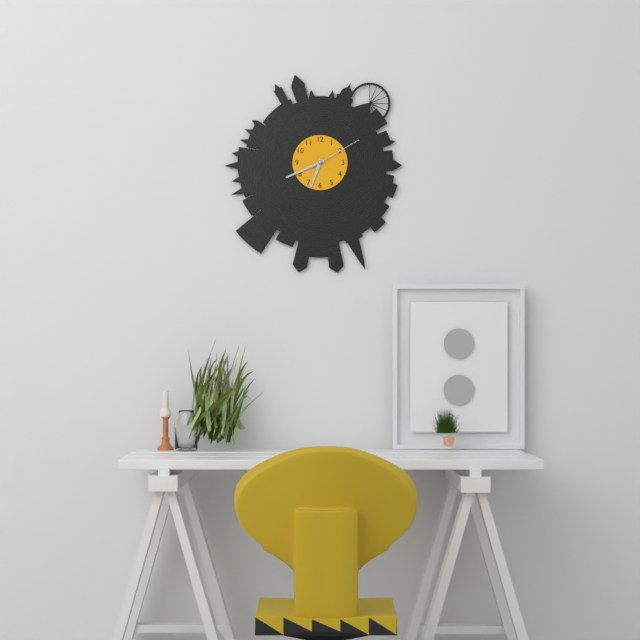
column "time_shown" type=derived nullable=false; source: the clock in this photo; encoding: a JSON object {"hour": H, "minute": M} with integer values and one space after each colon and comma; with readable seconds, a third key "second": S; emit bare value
{"hour": 6, "minute": 41, "second": 10}
